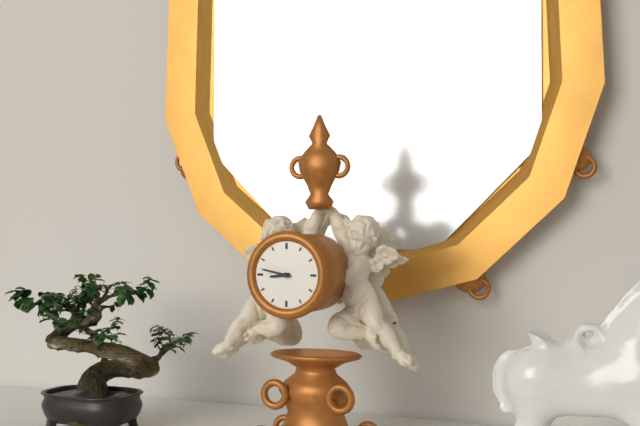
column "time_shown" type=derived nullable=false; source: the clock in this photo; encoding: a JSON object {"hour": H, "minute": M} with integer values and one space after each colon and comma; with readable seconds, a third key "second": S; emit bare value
{"hour": 8, "minute": 47}
